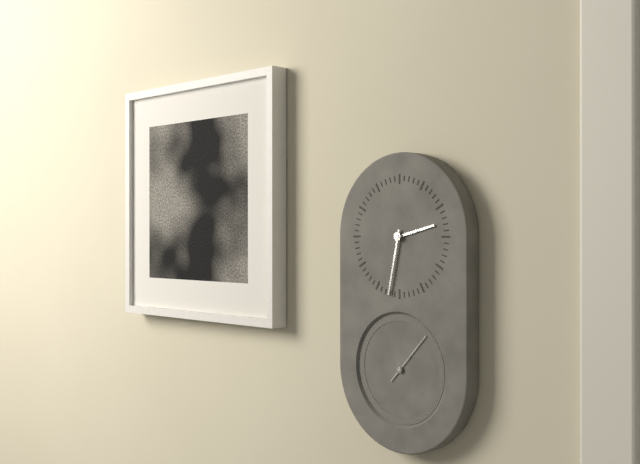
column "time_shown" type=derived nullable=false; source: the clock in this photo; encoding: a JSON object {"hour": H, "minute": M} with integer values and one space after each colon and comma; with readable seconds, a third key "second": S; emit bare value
{"hour": 2, "minute": 32, "second": 7}
